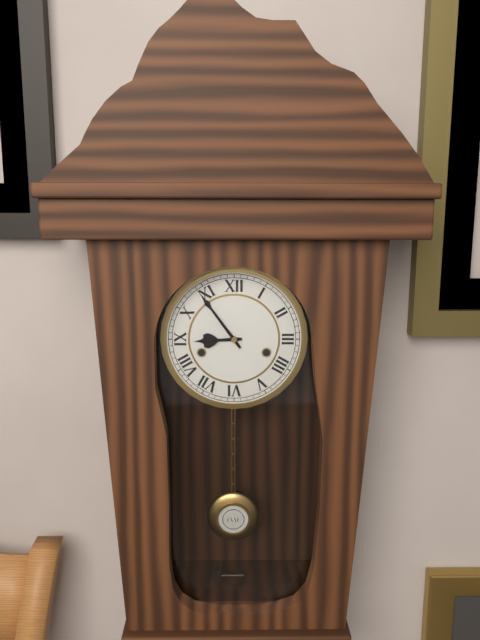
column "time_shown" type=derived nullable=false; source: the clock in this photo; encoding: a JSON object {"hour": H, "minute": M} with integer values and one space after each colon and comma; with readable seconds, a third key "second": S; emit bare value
{"hour": 8, "minute": 54}
